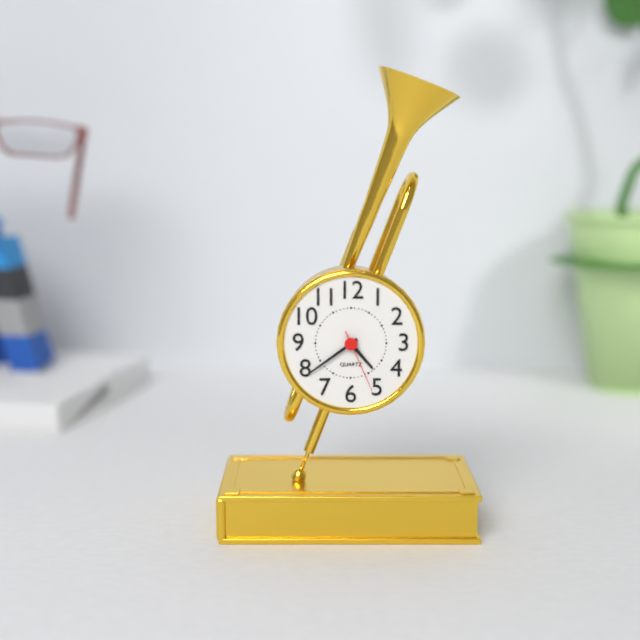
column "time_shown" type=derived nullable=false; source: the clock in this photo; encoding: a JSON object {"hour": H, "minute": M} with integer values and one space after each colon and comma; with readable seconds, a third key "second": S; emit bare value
{"hour": 4, "minute": 39, "second": 26}
